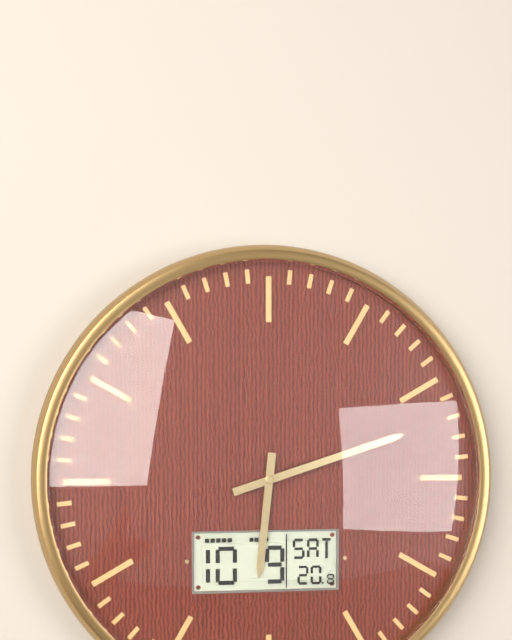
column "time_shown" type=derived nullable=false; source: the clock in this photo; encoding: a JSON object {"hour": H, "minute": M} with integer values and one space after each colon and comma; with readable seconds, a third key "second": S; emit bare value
{"hour": 6, "minute": 12}
